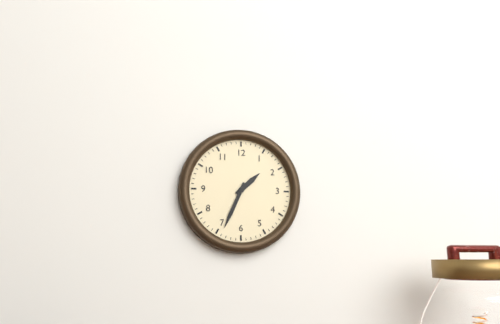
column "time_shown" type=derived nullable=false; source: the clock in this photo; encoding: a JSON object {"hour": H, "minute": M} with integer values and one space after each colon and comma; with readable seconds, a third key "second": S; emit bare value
{"hour": 1, "minute": 34}
